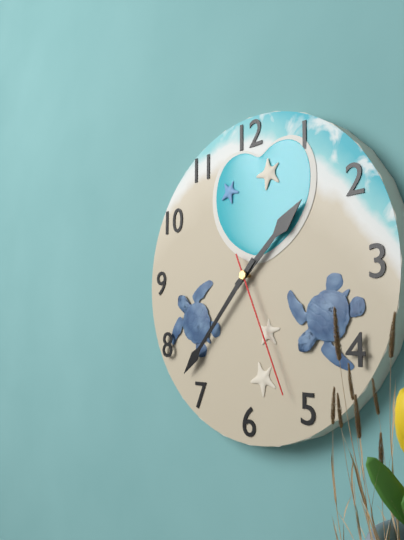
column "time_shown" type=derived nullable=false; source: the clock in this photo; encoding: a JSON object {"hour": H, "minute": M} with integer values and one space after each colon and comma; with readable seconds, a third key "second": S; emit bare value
{"hour": 1, "minute": 37, "second": 26}
